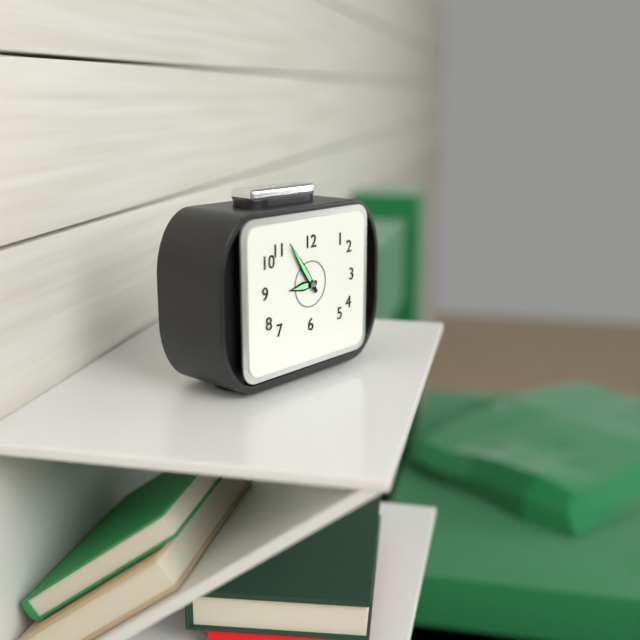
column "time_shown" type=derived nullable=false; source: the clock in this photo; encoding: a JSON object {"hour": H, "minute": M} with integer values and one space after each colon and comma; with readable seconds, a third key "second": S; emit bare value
{"hour": 8, "minute": 54}
